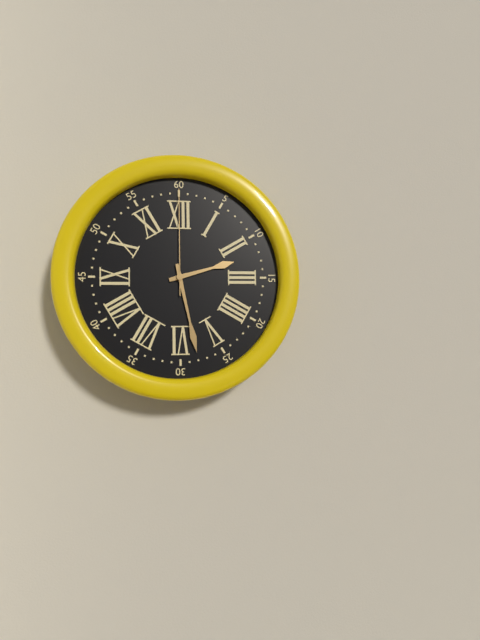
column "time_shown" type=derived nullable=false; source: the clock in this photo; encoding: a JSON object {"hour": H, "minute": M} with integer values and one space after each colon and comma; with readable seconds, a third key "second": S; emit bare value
{"hour": 2, "minute": 28, "second": 0}
